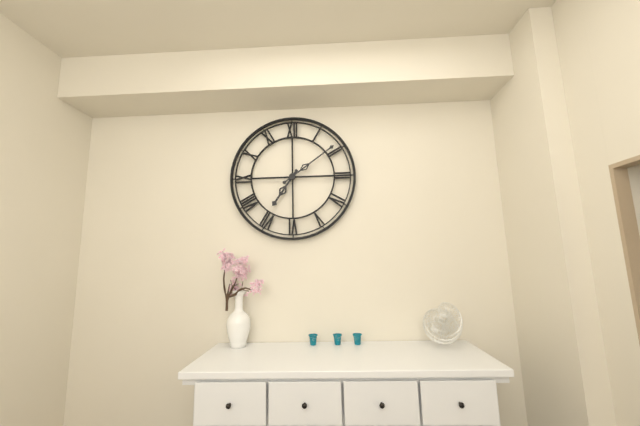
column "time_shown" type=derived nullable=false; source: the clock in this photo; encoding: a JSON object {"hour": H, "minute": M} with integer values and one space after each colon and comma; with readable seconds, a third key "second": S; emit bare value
{"hour": 7, "minute": 9}
